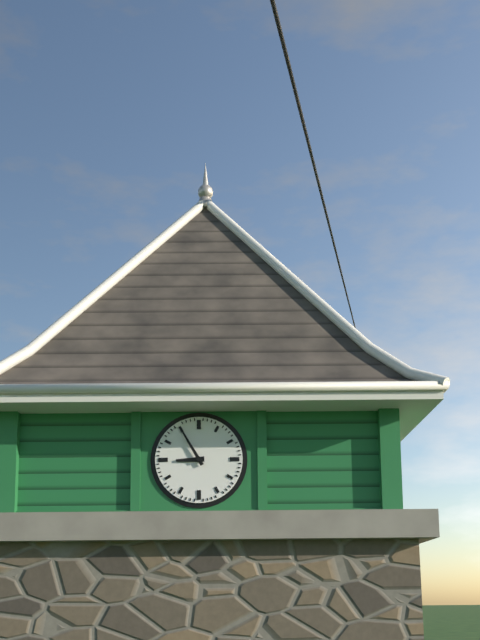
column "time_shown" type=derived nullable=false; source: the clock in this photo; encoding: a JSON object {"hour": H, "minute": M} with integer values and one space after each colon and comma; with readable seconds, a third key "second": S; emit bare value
{"hour": 8, "minute": 55}
